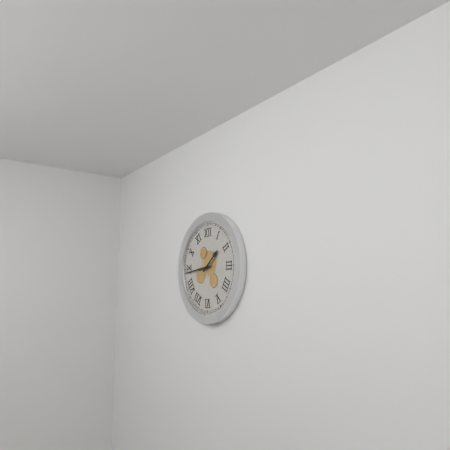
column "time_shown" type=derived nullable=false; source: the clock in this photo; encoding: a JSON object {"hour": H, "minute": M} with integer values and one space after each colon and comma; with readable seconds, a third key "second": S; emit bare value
{"hour": 1, "minute": 44}
